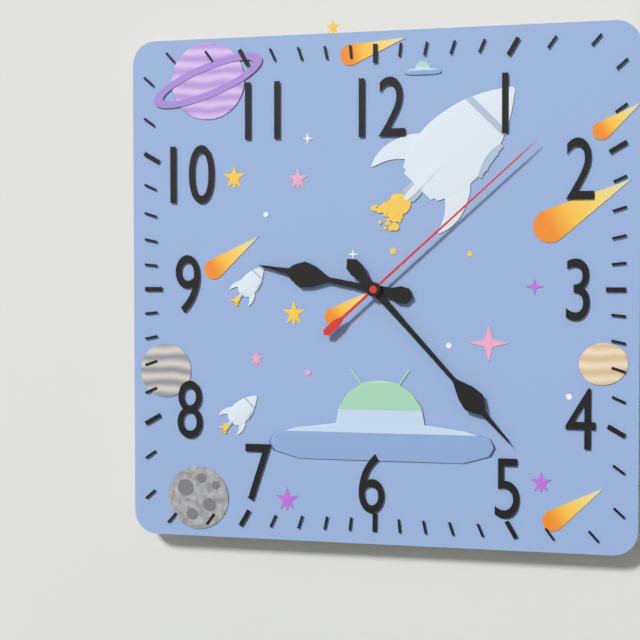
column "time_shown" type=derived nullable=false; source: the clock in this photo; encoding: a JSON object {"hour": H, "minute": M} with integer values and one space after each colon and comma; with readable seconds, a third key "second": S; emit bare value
{"hour": 9, "minute": 23, "second": 8}
